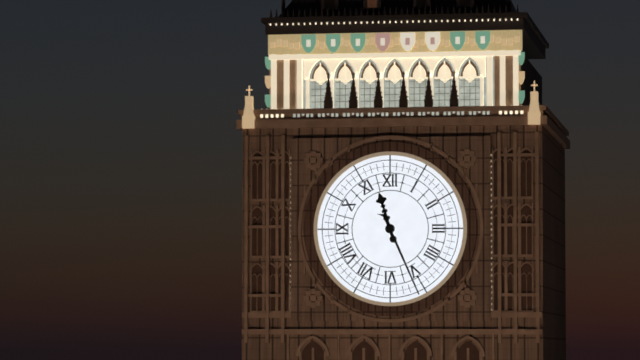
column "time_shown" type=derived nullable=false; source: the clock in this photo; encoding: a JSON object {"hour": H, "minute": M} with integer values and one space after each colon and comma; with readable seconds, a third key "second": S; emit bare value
{"hour": 11, "minute": 26}
